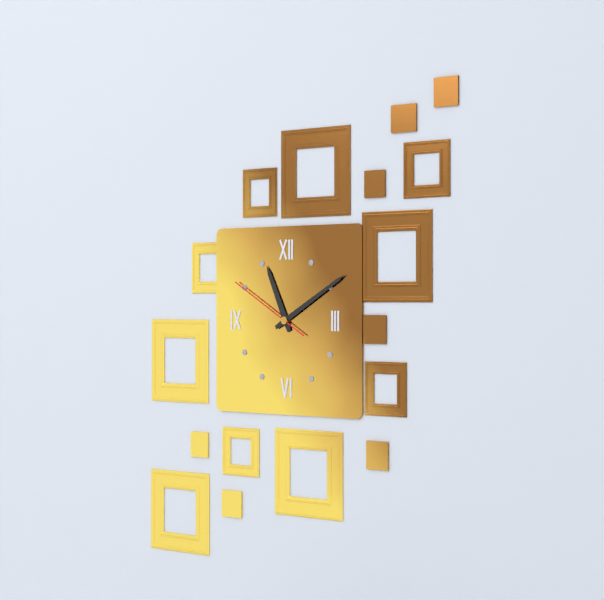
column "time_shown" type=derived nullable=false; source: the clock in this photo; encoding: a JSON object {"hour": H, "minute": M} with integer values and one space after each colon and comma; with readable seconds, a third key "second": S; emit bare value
{"hour": 11, "minute": 10, "second": 50}
